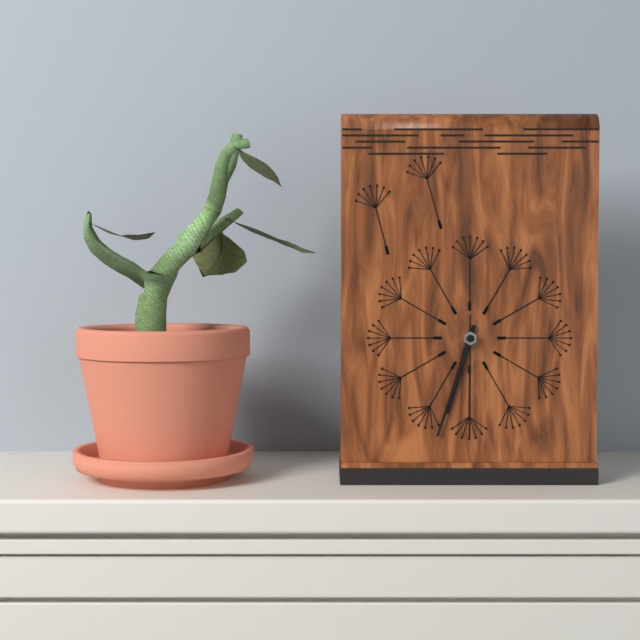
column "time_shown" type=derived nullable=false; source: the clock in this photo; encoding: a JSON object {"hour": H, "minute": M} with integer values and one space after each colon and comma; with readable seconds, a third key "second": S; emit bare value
{"hour": 6, "minute": 33, "second": 30}
